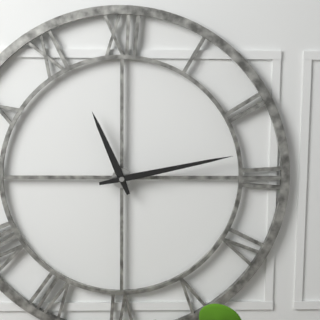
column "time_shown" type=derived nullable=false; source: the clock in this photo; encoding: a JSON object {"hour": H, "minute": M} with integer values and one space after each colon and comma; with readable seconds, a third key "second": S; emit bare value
{"hour": 11, "minute": 13}
